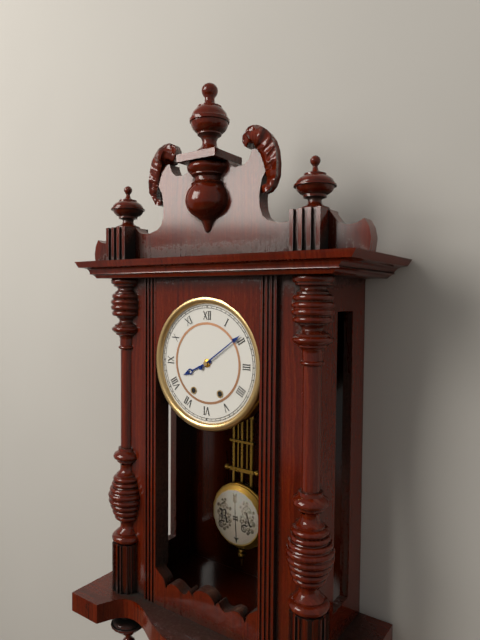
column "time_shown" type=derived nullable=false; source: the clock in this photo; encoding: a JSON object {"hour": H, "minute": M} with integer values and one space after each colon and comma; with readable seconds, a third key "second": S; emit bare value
{"hour": 8, "minute": 9}
